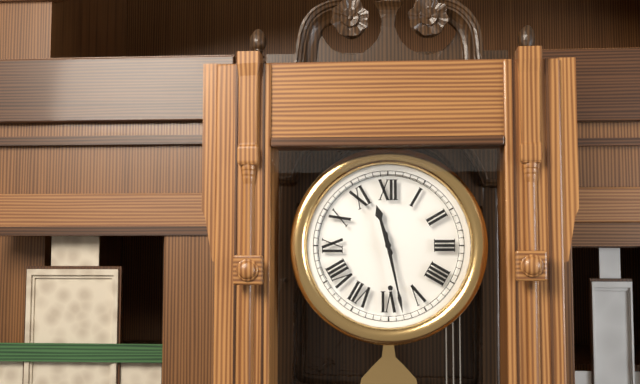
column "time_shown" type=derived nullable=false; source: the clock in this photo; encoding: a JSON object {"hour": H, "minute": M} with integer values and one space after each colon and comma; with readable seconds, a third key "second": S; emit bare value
{"hour": 11, "minute": 28}
